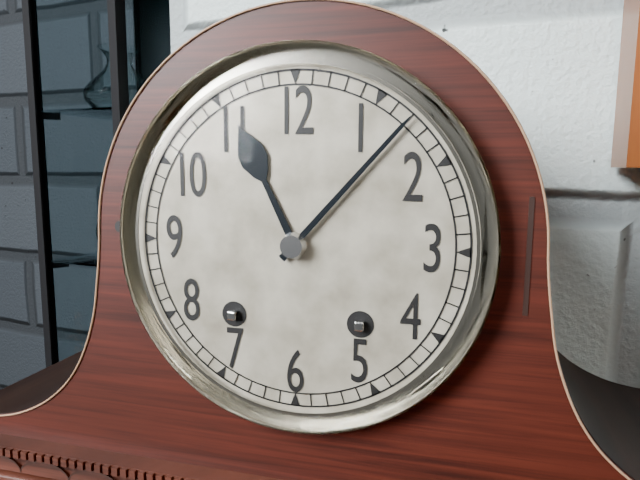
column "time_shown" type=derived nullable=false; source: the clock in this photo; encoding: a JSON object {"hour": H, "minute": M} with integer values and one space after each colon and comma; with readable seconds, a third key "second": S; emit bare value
{"hour": 11, "minute": 7}
